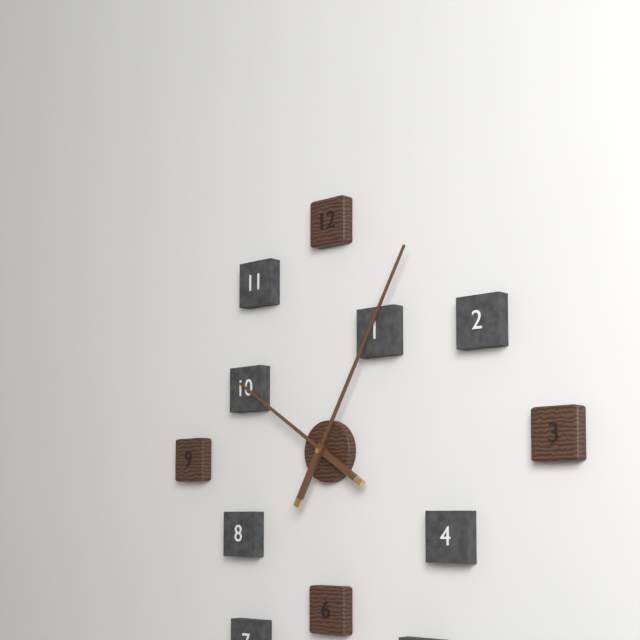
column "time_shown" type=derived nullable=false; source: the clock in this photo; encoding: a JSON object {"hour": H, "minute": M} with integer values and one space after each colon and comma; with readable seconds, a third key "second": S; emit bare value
{"hour": 10, "minute": 5}
